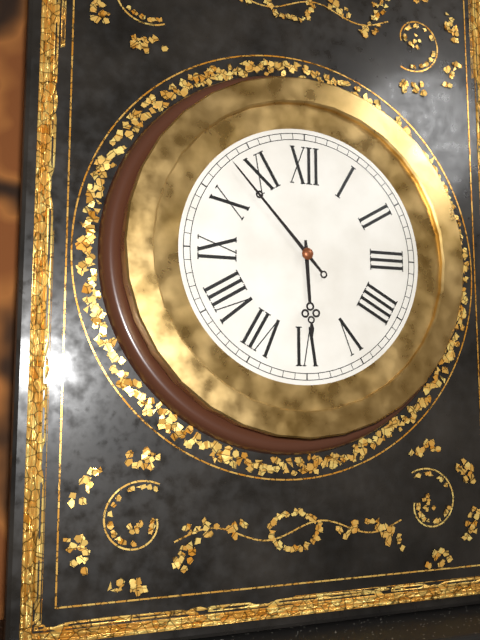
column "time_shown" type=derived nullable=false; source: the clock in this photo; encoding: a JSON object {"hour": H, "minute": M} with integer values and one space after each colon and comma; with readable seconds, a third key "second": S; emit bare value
{"hour": 5, "minute": 53}
